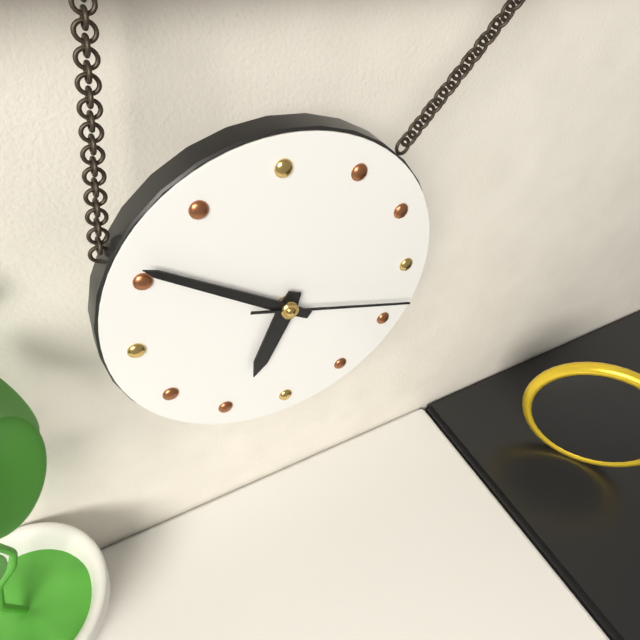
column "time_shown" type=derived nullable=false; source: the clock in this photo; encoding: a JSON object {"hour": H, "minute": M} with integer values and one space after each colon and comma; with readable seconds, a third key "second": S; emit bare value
{"hour": 6, "minute": 51, "second": 18}
